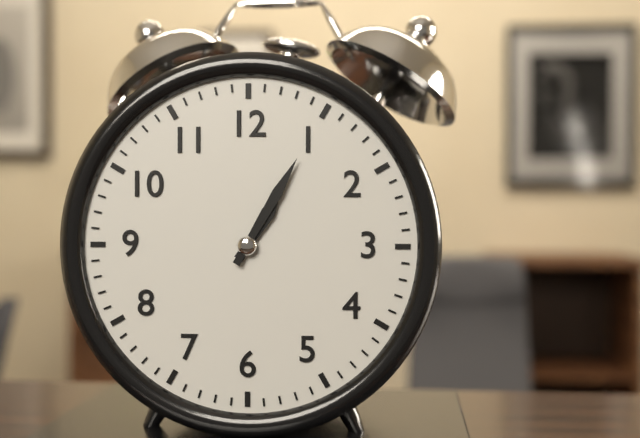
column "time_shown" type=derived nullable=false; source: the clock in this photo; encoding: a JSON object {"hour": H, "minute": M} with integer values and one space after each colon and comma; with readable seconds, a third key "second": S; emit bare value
{"hour": 1, "minute": 5}
